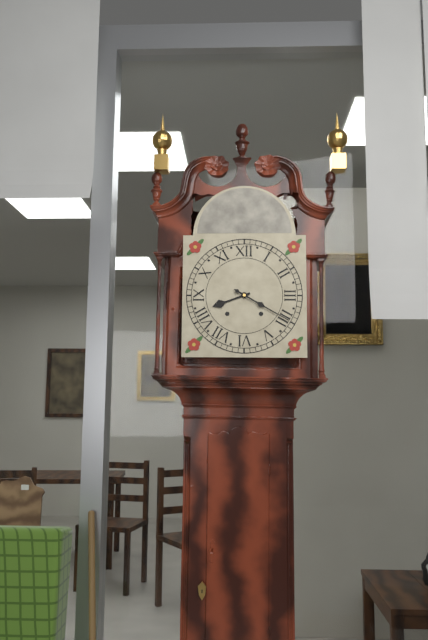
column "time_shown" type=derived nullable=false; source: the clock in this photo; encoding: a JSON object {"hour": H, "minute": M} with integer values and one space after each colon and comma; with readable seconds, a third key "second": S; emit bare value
{"hour": 8, "minute": 20}
